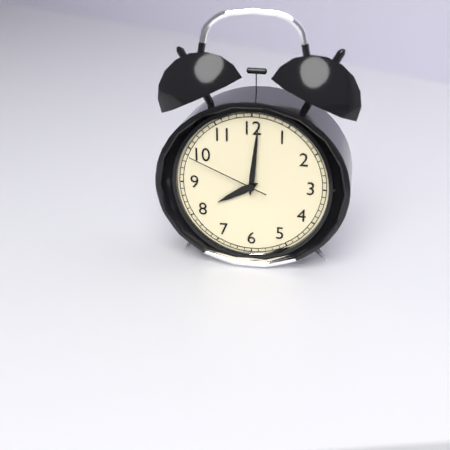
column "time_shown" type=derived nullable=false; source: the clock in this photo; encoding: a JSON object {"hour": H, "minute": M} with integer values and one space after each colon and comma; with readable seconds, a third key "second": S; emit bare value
{"hour": 8, "minute": 1, "second": 49}
